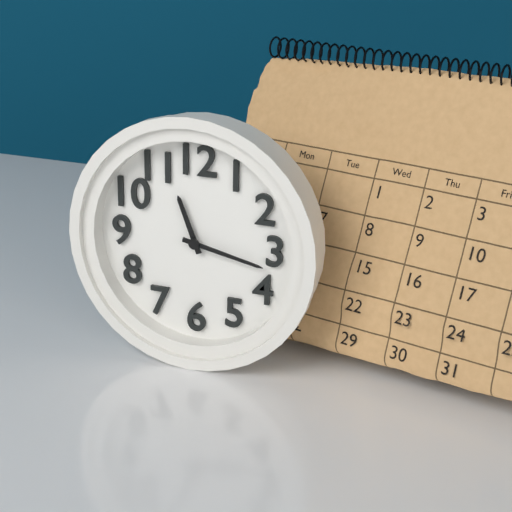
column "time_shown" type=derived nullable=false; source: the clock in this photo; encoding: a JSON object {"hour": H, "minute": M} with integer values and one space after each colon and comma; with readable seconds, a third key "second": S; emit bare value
{"hour": 11, "minute": 17}
